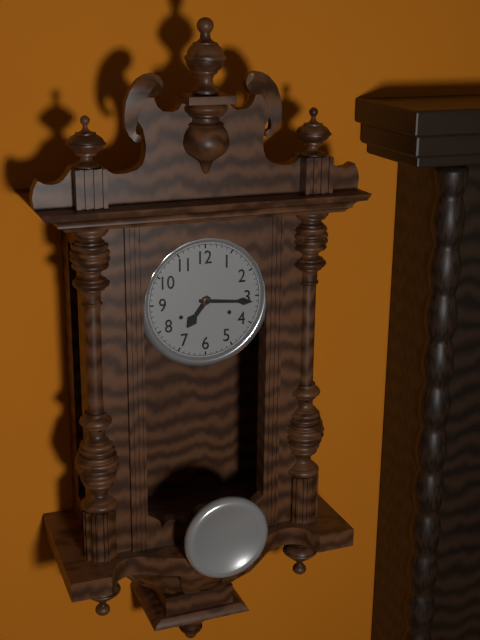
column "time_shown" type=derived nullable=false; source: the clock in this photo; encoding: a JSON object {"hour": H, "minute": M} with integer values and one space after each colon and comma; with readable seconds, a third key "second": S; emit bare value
{"hour": 7, "minute": 16}
